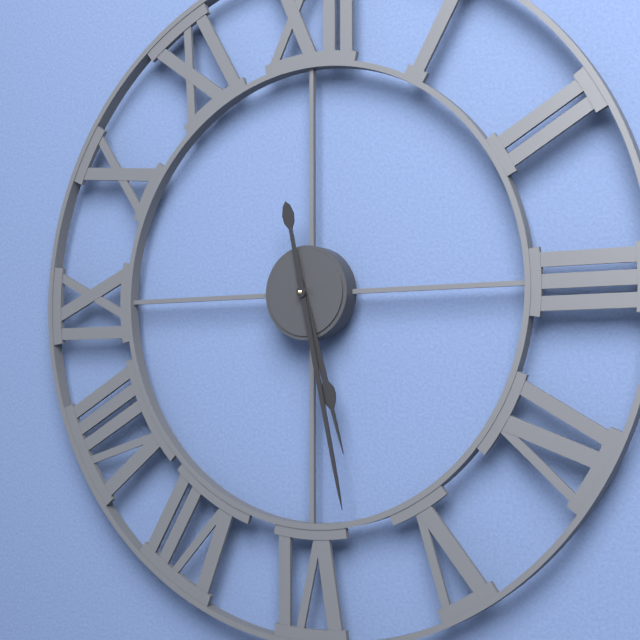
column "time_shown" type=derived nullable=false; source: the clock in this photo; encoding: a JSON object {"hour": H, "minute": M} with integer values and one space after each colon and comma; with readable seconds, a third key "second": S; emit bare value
{"hour": 5, "minute": 28}
